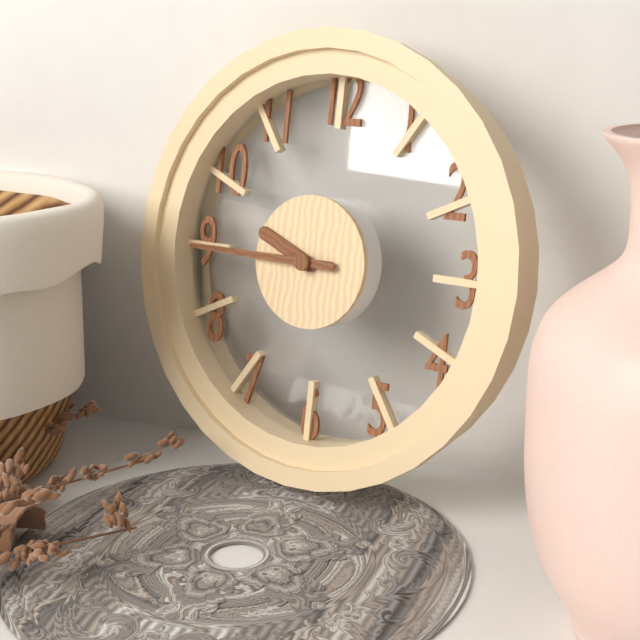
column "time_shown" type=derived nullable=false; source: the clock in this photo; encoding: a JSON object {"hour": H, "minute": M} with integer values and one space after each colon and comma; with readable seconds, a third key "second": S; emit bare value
{"hour": 9, "minute": 45}
